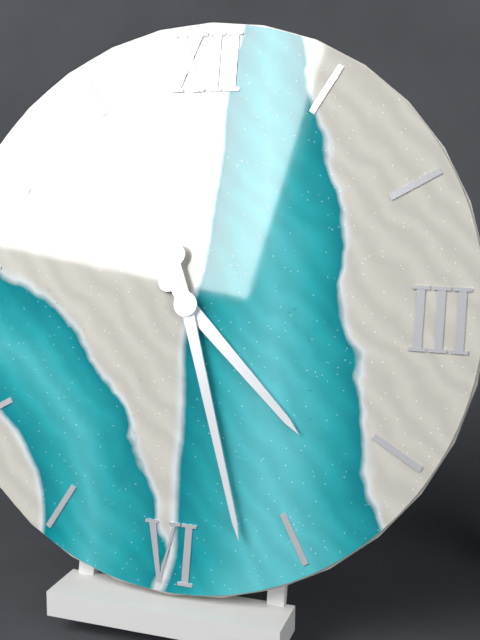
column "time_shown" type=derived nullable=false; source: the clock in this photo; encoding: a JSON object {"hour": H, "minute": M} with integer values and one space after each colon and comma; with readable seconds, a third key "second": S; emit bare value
{"hour": 4, "minute": 27}
